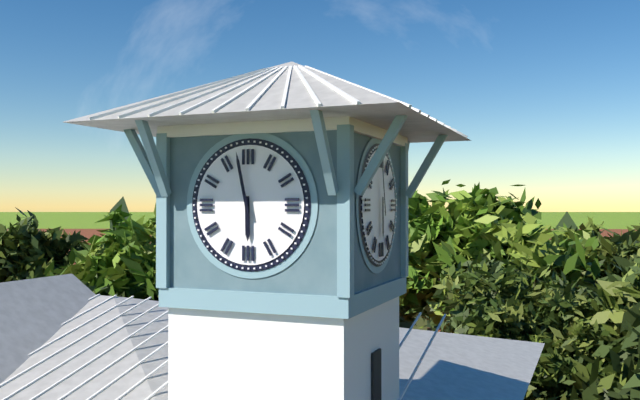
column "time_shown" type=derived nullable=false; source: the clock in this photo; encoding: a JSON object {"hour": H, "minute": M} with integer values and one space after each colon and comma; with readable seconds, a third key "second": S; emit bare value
{"hour": 5, "minute": 58}
